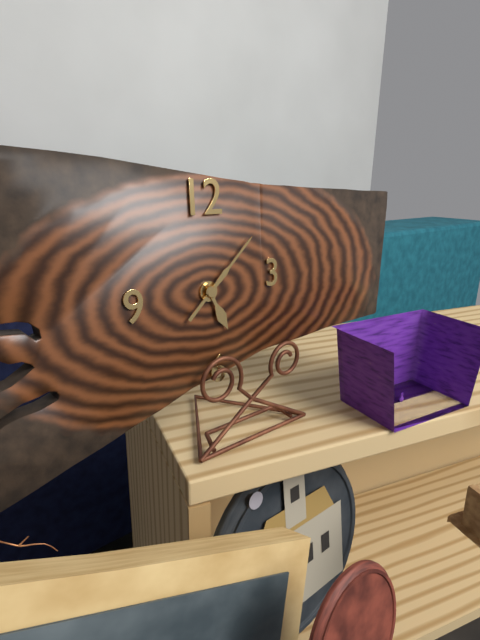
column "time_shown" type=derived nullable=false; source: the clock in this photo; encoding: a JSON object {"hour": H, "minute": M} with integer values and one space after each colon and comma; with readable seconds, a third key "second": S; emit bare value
{"hour": 5, "minute": 8}
